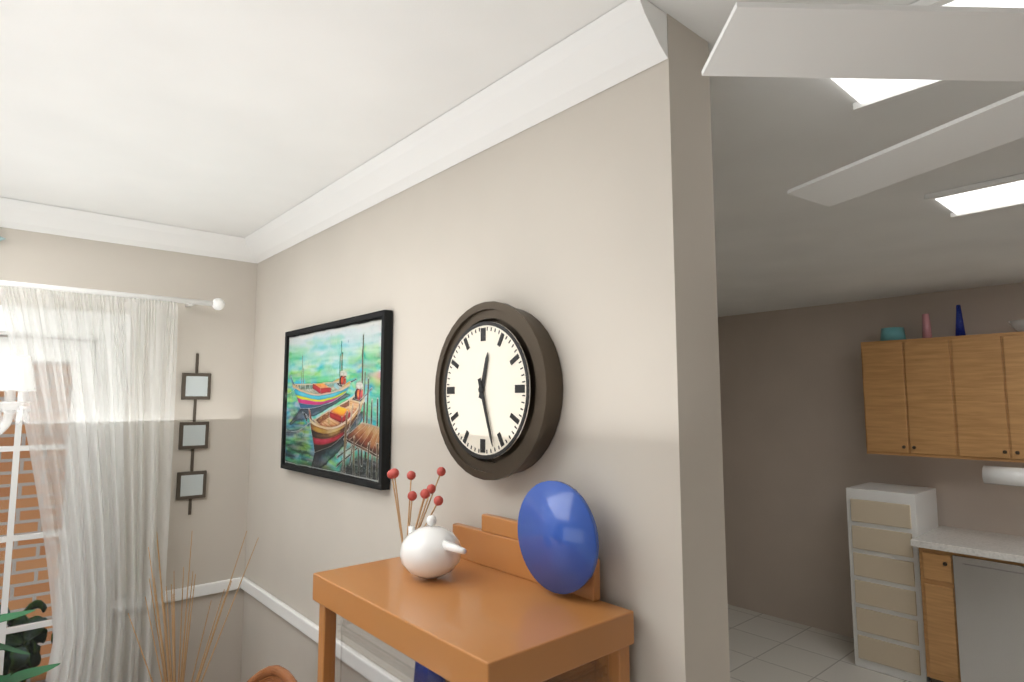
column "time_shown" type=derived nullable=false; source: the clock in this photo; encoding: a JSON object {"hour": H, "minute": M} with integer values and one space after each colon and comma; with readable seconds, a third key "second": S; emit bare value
{"hour": 12, "minute": 27}
